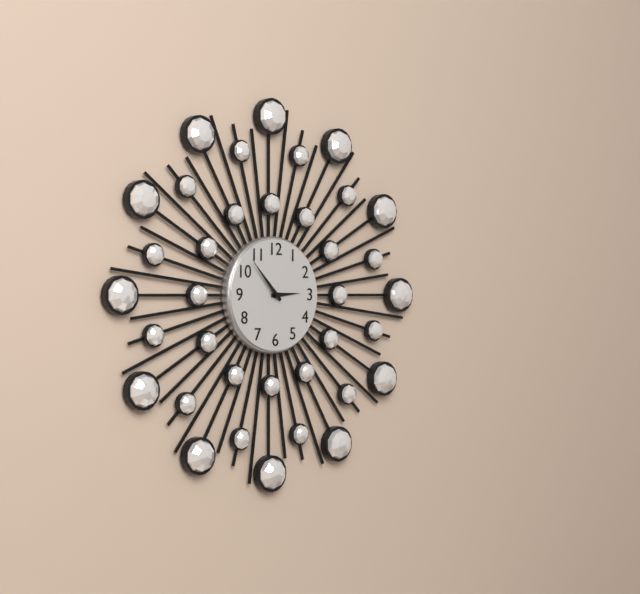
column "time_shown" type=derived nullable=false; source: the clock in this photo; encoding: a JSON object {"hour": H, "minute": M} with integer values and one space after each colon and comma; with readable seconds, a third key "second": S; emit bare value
{"hour": 2, "minute": 53}
